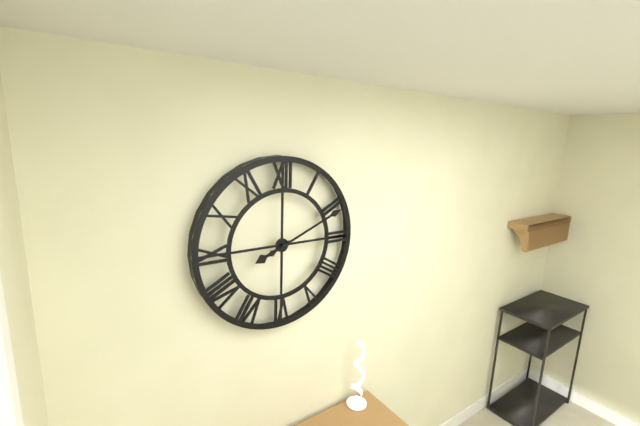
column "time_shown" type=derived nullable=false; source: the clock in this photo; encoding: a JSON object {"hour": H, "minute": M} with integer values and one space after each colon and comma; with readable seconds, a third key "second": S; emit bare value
{"hour": 8, "minute": 11}
